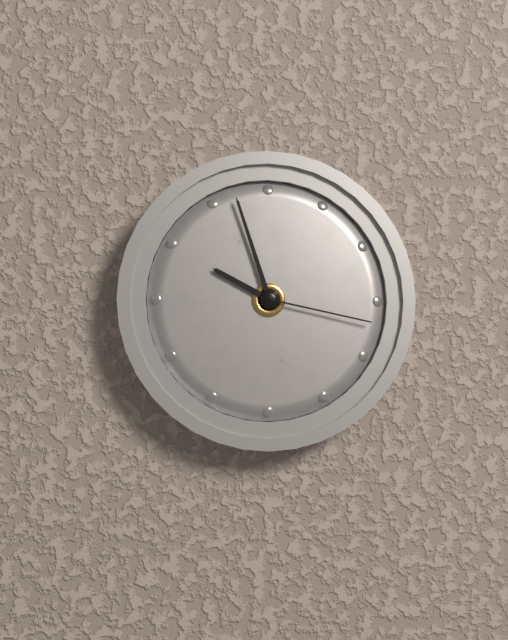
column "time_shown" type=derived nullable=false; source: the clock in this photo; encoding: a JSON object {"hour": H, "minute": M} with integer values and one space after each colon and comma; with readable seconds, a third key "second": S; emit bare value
{"hour": 9, "minute": 57, "second": 17}
